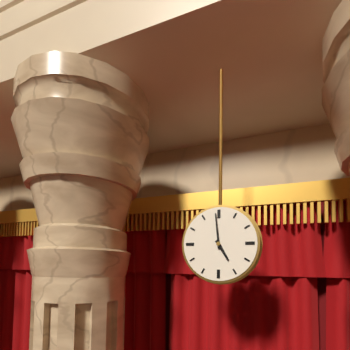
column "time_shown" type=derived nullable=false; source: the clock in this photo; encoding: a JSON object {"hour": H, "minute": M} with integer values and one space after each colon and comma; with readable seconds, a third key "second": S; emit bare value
{"hour": 4, "minute": 59}
